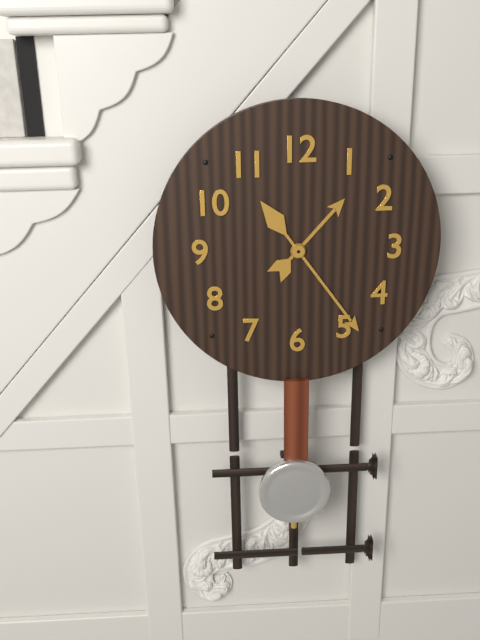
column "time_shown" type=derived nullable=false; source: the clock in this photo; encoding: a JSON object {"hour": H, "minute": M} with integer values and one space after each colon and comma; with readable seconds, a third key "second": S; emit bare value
{"hour": 1, "minute": 24}
